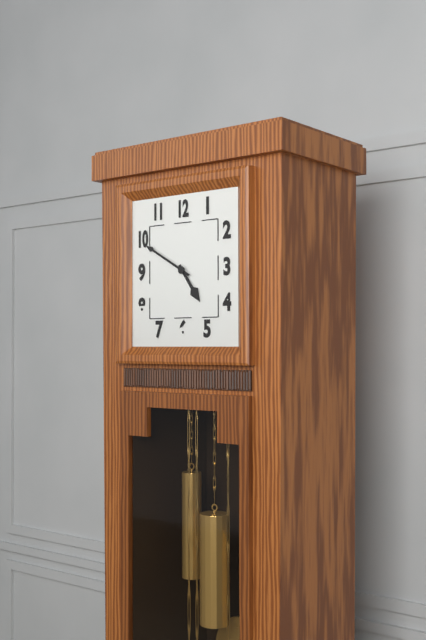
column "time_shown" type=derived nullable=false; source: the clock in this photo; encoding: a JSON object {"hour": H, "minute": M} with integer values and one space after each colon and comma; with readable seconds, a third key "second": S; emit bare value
{"hour": 4, "minute": 50}
